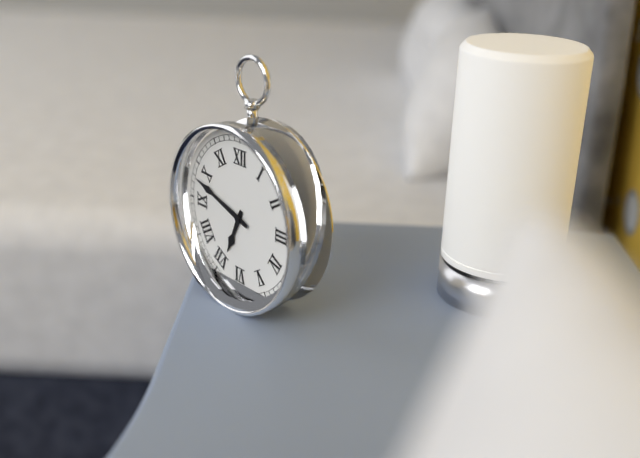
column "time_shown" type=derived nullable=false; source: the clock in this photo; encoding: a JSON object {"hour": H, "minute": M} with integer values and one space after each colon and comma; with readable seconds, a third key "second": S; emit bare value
{"hour": 6, "minute": 48}
